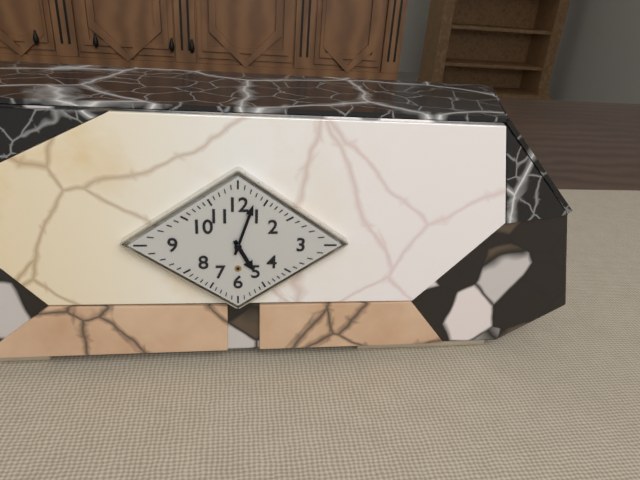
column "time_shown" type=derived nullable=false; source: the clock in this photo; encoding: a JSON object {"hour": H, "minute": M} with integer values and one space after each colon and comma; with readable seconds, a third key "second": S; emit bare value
{"hour": 5, "minute": 3}
